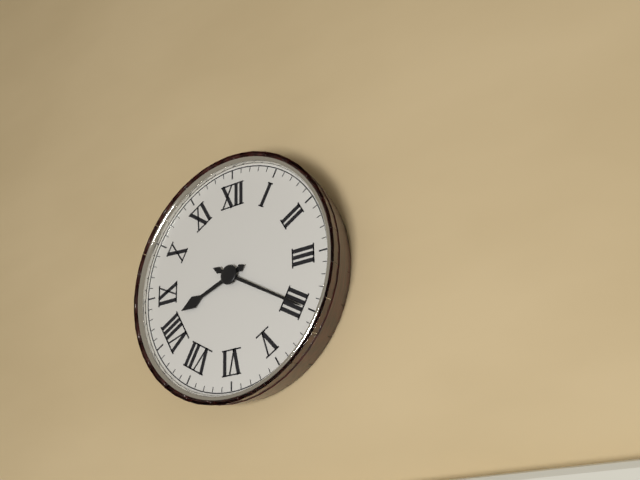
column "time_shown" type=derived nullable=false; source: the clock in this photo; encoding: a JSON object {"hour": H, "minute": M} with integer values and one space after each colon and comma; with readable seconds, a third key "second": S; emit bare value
{"hour": 8, "minute": 20}
